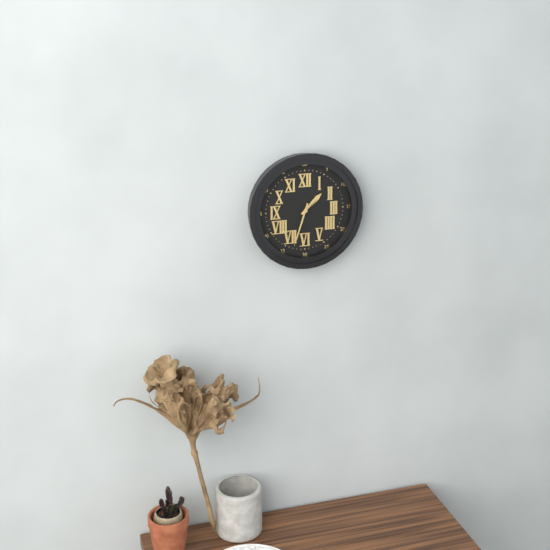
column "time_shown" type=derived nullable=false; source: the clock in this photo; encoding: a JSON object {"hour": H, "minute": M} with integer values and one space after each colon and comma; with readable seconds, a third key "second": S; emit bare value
{"hour": 1, "minute": 33}
